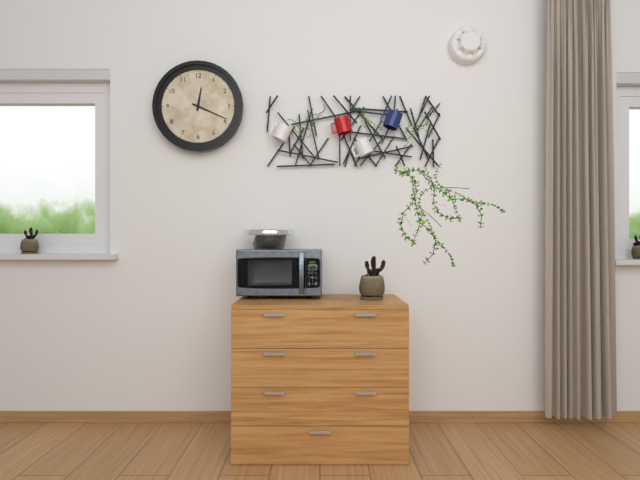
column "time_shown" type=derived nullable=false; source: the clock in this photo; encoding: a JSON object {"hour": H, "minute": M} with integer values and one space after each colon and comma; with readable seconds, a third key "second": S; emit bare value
{"hour": 12, "minute": 19}
